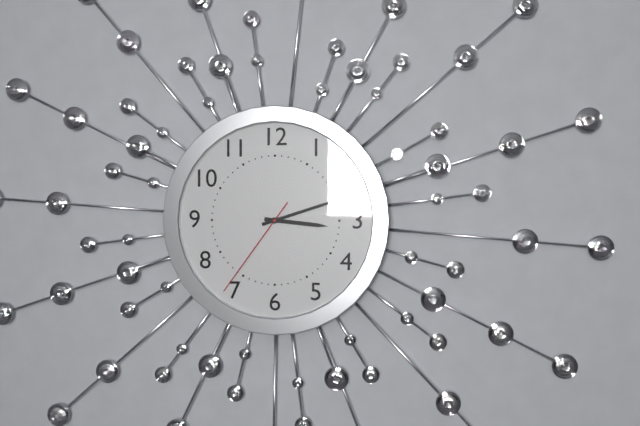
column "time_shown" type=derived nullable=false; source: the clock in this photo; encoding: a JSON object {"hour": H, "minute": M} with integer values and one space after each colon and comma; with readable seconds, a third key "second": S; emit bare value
{"hour": 3, "minute": 12, "second": 36}
